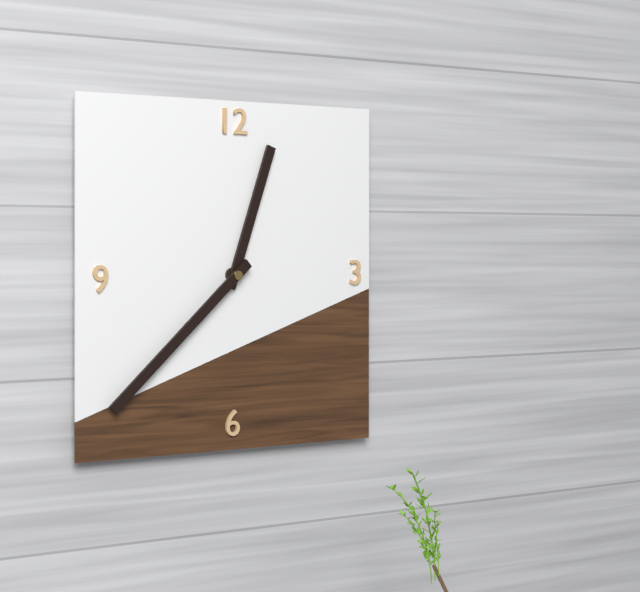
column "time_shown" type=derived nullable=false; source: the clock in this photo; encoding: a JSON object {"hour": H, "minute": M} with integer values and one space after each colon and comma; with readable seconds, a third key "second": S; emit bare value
{"hour": 12, "minute": 38}
